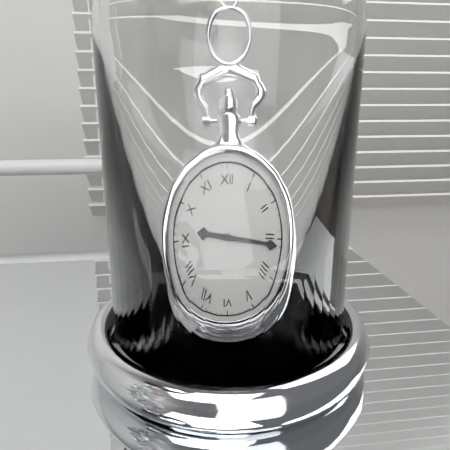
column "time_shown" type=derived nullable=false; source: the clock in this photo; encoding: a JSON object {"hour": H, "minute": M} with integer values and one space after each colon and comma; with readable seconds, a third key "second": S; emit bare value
{"hour": 9, "minute": 16}
